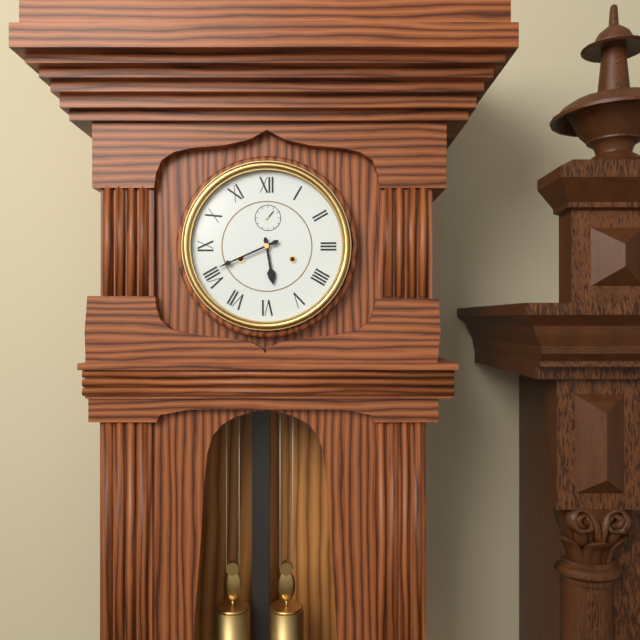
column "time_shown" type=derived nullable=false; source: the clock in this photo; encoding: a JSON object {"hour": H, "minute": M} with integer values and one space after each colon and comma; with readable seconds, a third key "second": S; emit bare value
{"hour": 5, "minute": 41}
